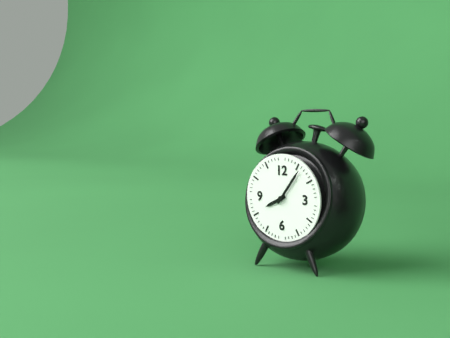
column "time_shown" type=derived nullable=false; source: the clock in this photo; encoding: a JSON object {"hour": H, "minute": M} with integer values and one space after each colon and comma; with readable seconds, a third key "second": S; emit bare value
{"hour": 8, "minute": 6}
